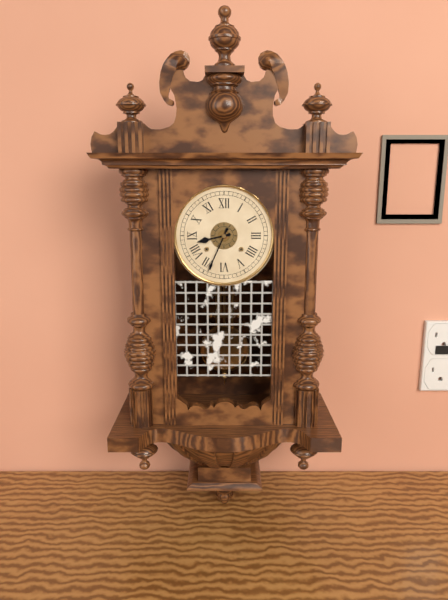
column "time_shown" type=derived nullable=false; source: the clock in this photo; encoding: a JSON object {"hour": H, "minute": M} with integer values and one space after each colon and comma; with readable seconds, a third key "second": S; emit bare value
{"hour": 8, "minute": 34}
